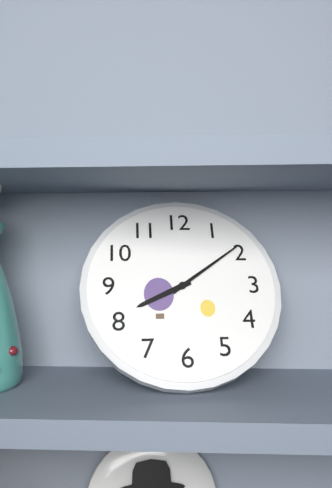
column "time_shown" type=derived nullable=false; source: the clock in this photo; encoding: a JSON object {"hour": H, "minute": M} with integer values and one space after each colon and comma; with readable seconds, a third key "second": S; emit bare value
{"hour": 8, "minute": 9}
